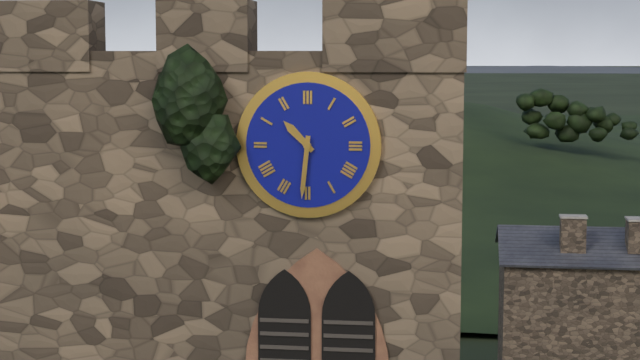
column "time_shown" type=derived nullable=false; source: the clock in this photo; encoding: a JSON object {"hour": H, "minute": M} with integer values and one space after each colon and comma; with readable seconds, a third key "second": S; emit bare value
{"hour": 10, "minute": 31}
